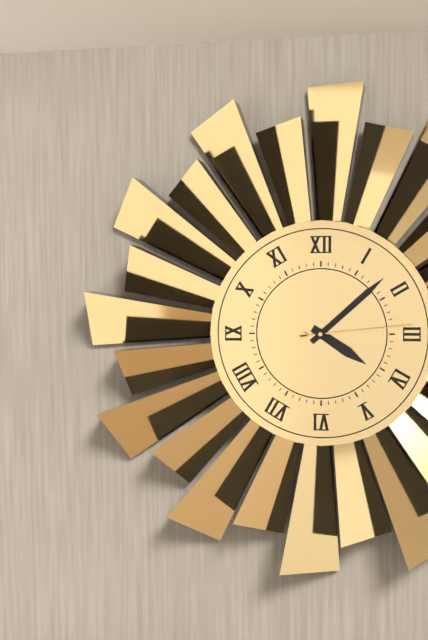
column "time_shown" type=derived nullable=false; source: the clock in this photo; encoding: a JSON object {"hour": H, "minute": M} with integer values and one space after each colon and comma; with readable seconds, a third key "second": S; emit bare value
{"hour": 4, "minute": 8, "second": 14}
